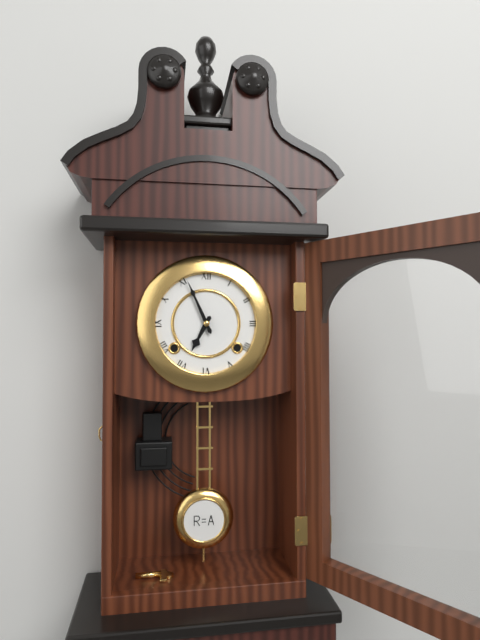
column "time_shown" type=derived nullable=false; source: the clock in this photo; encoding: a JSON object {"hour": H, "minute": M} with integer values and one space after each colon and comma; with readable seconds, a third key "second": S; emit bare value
{"hour": 6, "minute": 56}
